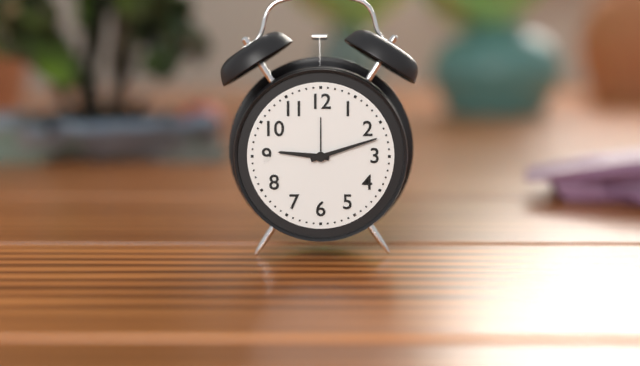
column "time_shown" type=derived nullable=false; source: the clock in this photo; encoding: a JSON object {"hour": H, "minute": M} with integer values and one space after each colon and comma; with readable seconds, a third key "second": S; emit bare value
{"hour": 9, "minute": 12}
